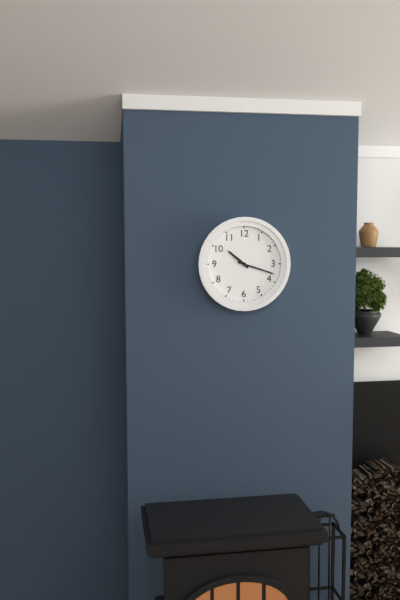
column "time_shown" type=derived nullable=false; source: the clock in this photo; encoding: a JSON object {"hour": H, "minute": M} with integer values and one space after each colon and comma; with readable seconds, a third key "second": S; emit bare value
{"hour": 10, "minute": 18}
